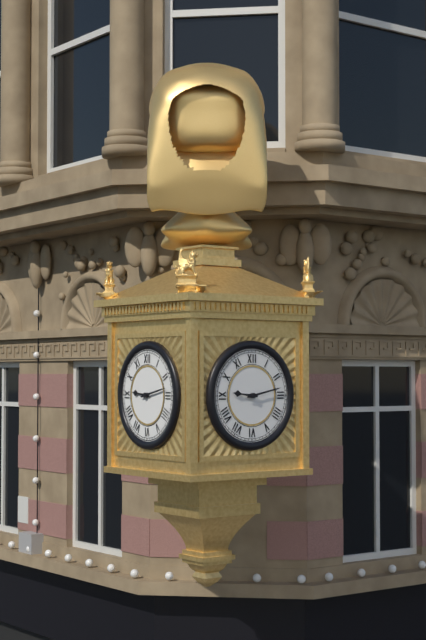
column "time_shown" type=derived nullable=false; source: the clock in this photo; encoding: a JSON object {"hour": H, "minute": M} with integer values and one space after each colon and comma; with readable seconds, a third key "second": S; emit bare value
{"hour": 9, "minute": 13}
